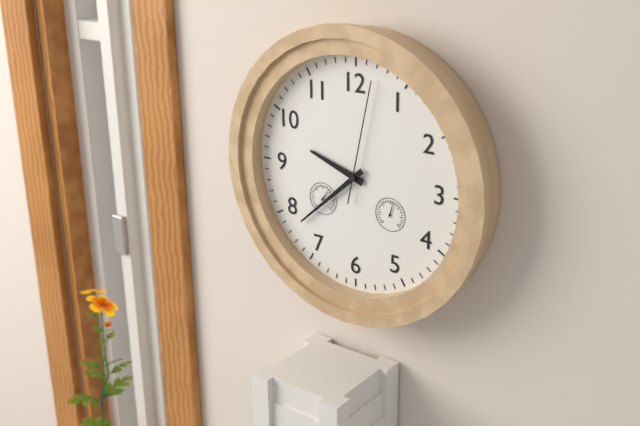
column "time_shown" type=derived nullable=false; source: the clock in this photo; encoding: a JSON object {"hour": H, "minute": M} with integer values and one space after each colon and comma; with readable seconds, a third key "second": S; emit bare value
{"hour": 9, "minute": 38, "second": 2}
